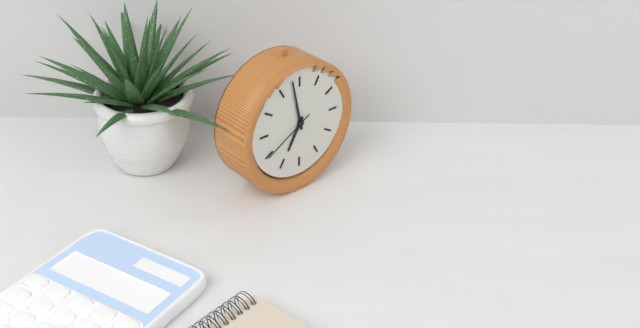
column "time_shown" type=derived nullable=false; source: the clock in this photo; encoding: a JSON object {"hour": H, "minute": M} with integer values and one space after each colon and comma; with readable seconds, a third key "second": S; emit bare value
{"hour": 6, "minute": 58, "second": 40}
